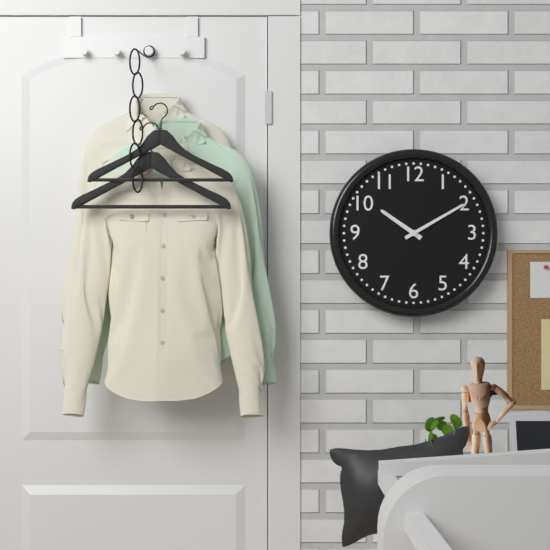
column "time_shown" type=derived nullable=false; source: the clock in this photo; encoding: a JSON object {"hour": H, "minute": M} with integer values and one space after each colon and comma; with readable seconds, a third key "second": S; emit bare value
{"hour": 10, "minute": 10}
